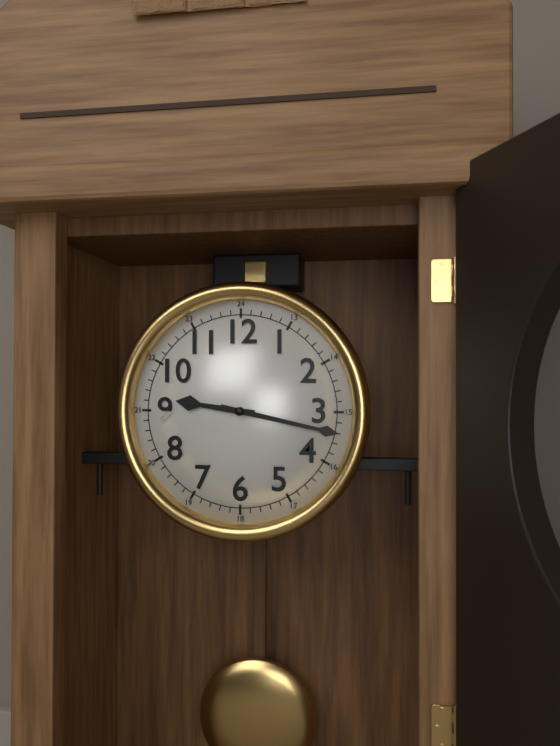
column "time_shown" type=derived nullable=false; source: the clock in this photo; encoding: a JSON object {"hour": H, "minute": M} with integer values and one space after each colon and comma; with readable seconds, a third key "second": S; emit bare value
{"hour": 9, "minute": 17}
